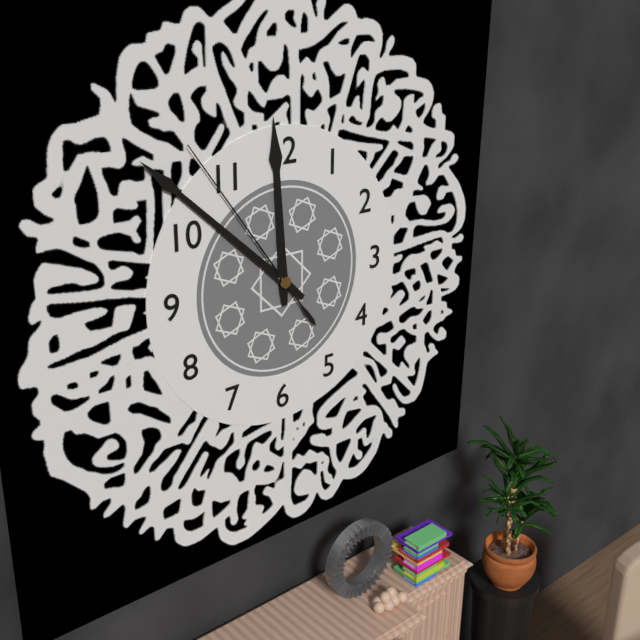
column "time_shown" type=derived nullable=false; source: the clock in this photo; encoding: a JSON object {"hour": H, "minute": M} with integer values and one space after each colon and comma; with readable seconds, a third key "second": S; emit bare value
{"hour": 11, "minute": 52, "second": 54}
